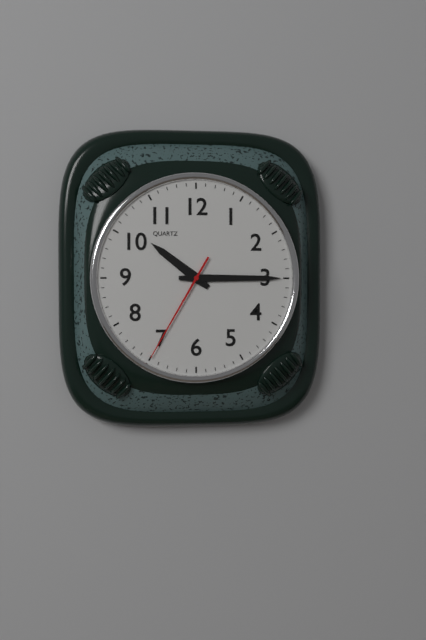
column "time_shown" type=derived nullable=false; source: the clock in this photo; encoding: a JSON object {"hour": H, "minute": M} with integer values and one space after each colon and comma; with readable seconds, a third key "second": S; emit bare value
{"hour": 10, "minute": 15, "second": 35}
